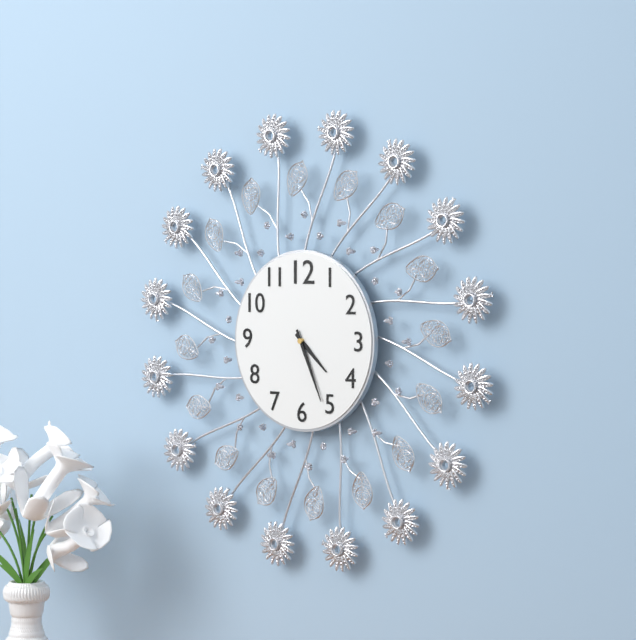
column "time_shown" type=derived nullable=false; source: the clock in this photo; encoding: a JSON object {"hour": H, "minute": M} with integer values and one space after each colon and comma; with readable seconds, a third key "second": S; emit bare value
{"hour": 4, "minute": 26}
